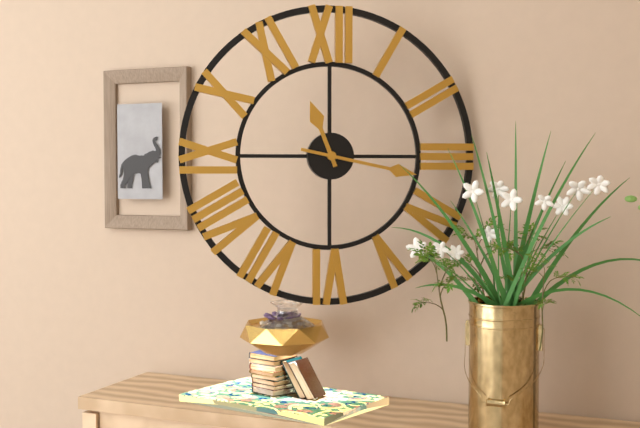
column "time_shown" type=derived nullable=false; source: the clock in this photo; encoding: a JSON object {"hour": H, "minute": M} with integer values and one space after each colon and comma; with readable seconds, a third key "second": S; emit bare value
{"hour": 11, "minute": 17}
